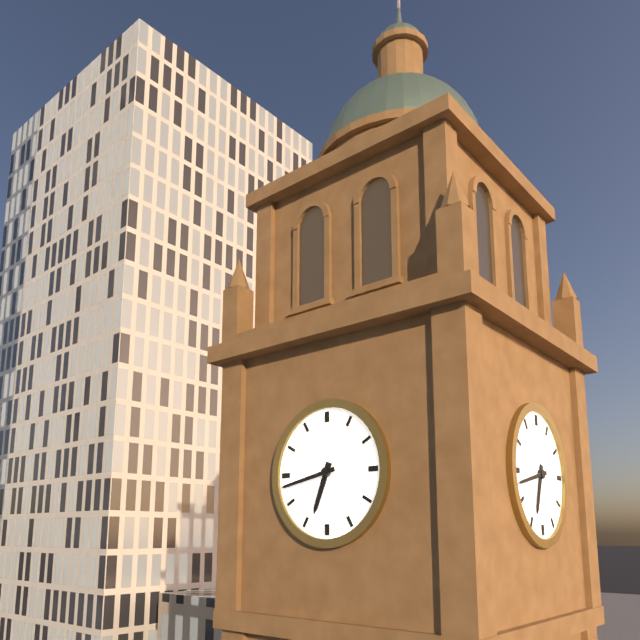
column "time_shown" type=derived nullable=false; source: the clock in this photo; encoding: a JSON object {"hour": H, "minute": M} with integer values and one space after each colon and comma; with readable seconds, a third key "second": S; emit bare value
{"hour": 6, "minute": 43}
